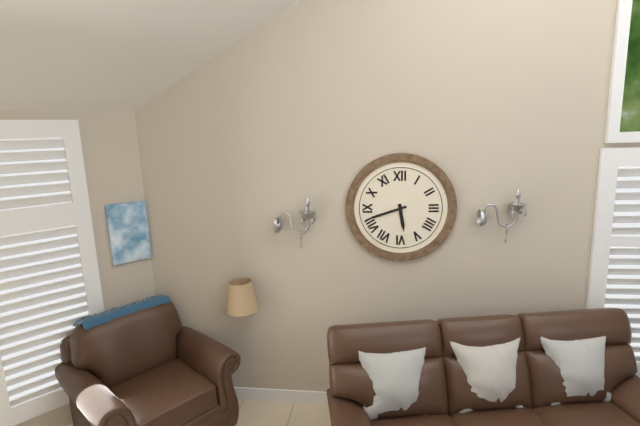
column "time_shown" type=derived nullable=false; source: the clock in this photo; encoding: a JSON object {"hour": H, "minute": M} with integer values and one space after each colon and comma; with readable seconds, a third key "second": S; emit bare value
{"hour": 5, "minute": 42}
